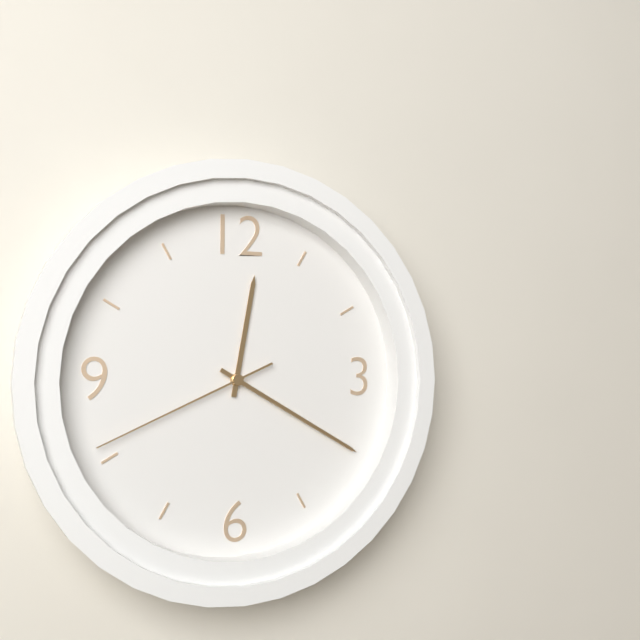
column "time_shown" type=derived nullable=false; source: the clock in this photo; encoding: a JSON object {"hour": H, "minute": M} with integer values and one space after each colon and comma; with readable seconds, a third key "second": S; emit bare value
{"hour": 12, "minute": 20, "second": 41}
